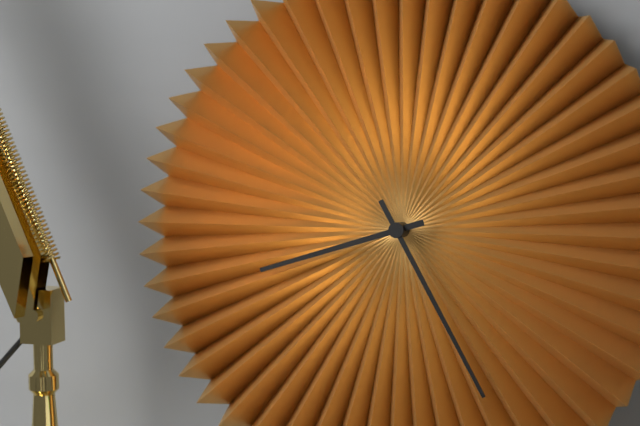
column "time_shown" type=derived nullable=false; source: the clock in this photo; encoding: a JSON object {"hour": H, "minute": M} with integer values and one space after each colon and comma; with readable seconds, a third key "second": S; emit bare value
{"hour": 8, "minute": 25}
